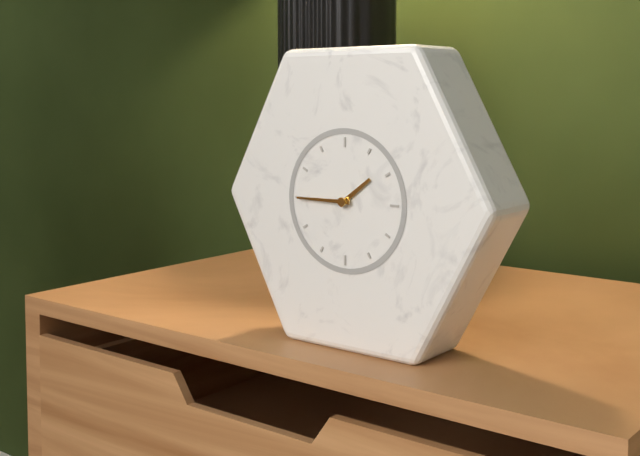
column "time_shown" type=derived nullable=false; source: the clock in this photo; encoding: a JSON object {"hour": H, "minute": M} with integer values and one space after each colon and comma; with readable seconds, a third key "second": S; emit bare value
{"hour": 1, "minute": 45}
